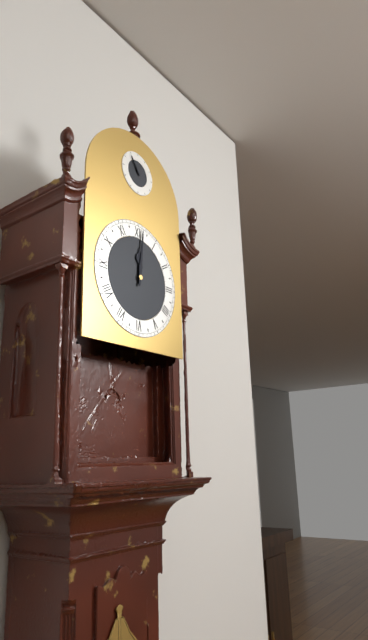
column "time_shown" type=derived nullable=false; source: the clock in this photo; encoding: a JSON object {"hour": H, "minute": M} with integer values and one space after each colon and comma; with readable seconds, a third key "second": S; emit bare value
{"hour": 12, "minute": 1}
